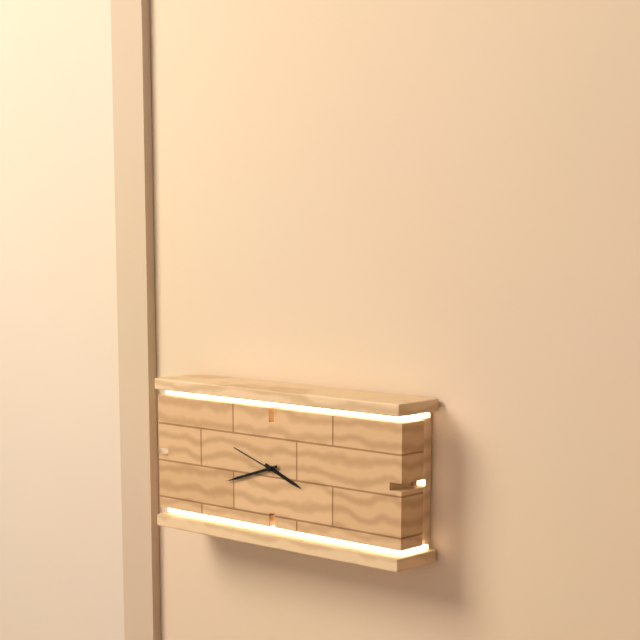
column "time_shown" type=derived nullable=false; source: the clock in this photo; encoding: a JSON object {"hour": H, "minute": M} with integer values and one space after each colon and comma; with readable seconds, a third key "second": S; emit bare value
{"hour": 3, "minute": 42, "second": 48}
